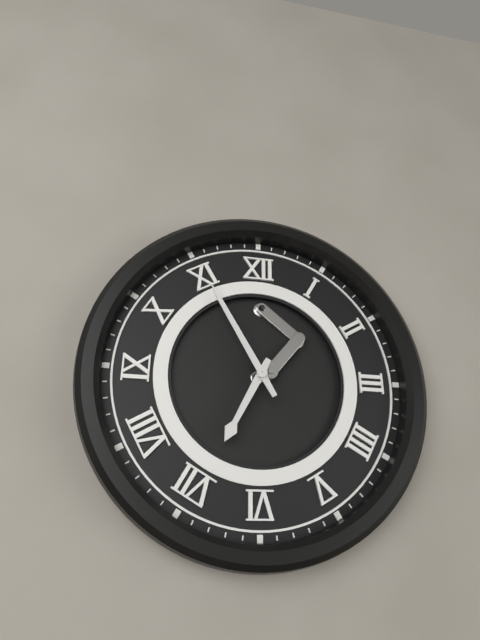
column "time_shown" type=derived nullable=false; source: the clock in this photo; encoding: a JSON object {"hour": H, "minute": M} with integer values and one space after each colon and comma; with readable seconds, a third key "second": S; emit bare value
{"hour": 6, "minute": 55}
